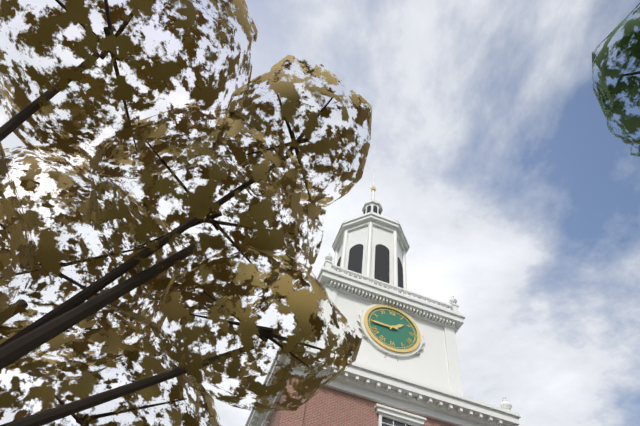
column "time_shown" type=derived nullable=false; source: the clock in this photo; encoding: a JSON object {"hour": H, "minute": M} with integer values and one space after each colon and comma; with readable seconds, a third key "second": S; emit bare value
{"hour": 1, "minute": 45}
